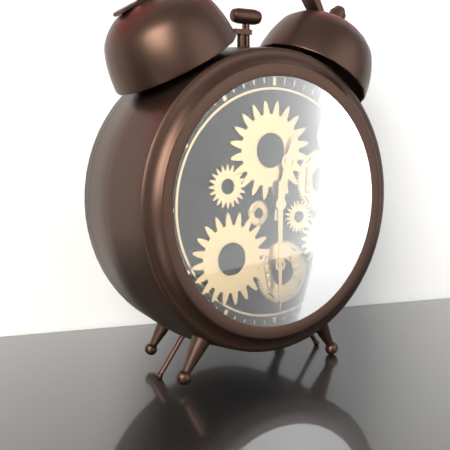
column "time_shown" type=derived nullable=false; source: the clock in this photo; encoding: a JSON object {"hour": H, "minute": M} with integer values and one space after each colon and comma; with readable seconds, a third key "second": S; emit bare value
{"hour": 12, "minute": 30}
